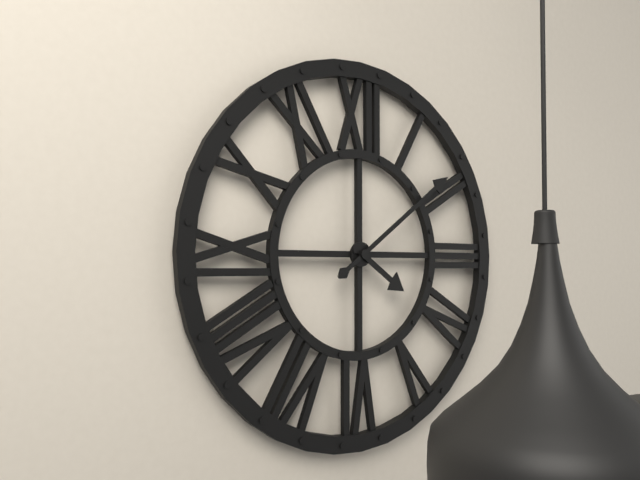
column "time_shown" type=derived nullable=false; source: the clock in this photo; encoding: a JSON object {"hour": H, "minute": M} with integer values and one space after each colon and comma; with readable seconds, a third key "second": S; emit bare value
{"hour": 4, "minute": 9}
